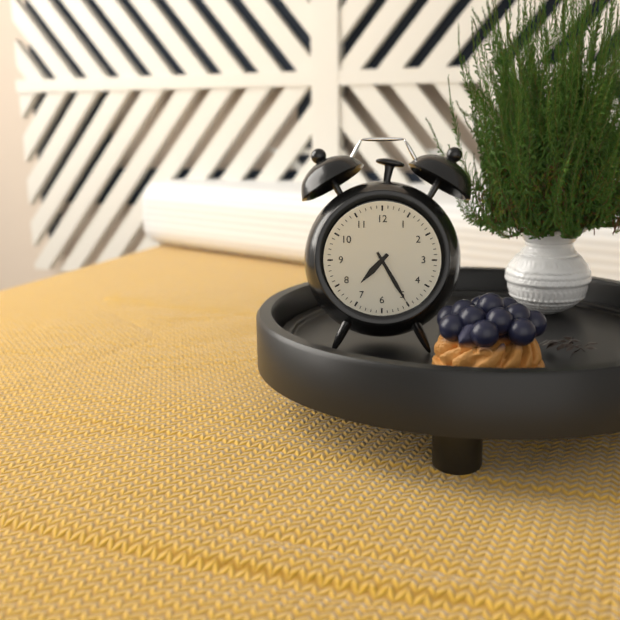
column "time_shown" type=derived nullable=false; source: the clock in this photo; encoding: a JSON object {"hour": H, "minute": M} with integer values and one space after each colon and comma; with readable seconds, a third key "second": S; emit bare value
{"hour": 7, "minute": 25}
